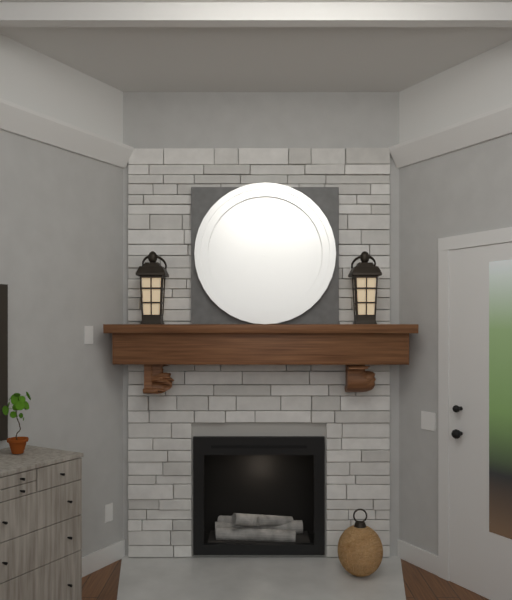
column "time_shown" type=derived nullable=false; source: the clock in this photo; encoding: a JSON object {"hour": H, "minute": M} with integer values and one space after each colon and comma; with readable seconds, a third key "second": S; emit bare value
{"hour": 6, "minute": 39}
